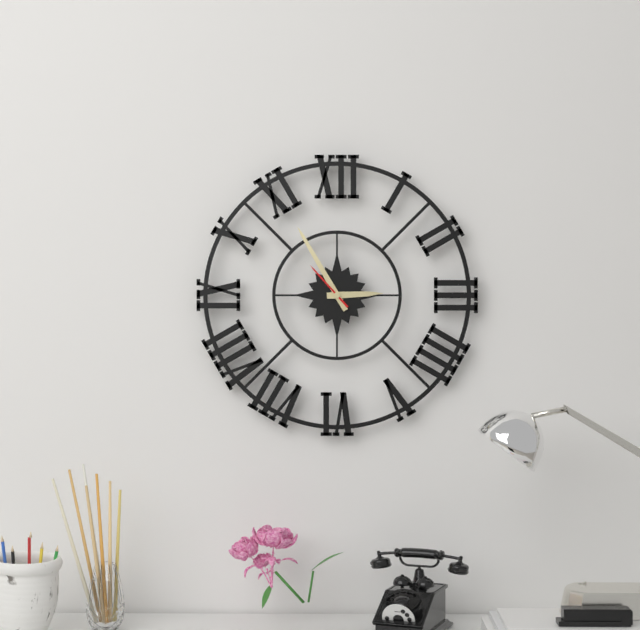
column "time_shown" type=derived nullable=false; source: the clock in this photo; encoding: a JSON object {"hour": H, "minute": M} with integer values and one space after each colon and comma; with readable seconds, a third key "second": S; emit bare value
{"hour": 2, "minute": 55, "second": 53}
